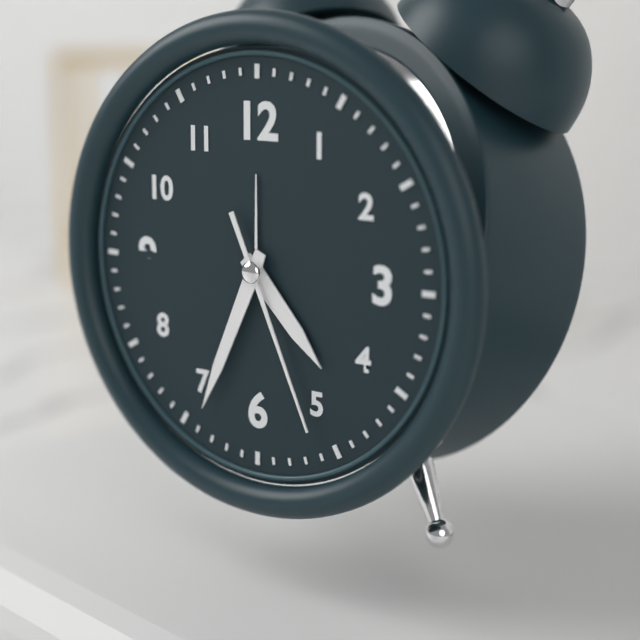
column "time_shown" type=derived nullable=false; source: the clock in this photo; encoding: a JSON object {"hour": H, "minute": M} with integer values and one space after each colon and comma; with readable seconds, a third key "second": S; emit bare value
{"hour": 4, "minute": 34, "second": 26}
